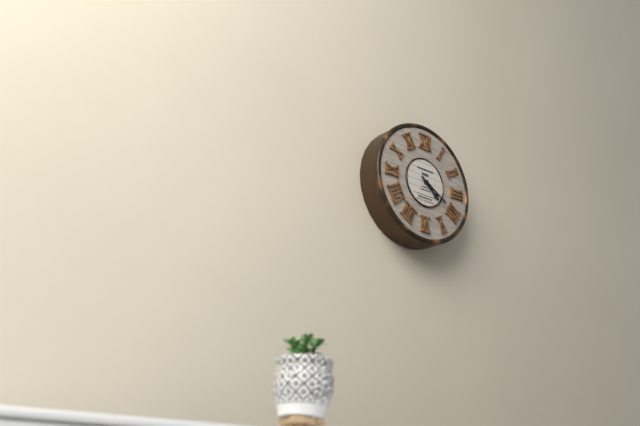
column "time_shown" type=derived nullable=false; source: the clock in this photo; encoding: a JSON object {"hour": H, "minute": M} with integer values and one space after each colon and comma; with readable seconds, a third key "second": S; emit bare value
{"hour": 4, "minute": 20}
